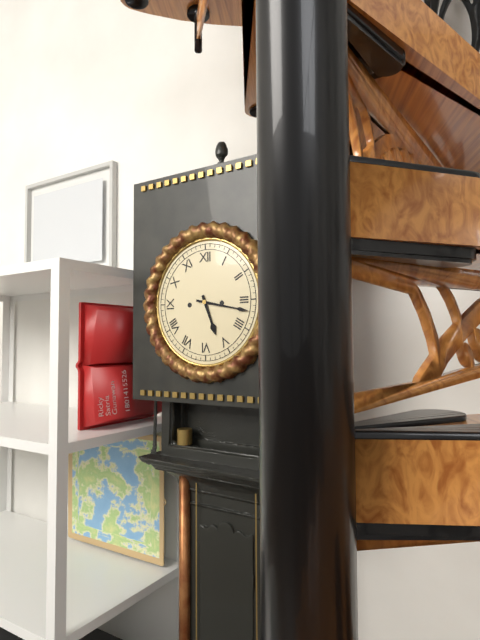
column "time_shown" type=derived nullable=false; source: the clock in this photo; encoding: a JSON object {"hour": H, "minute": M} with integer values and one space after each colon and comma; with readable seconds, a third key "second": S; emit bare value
{"hour": 5, "minute": 17}
